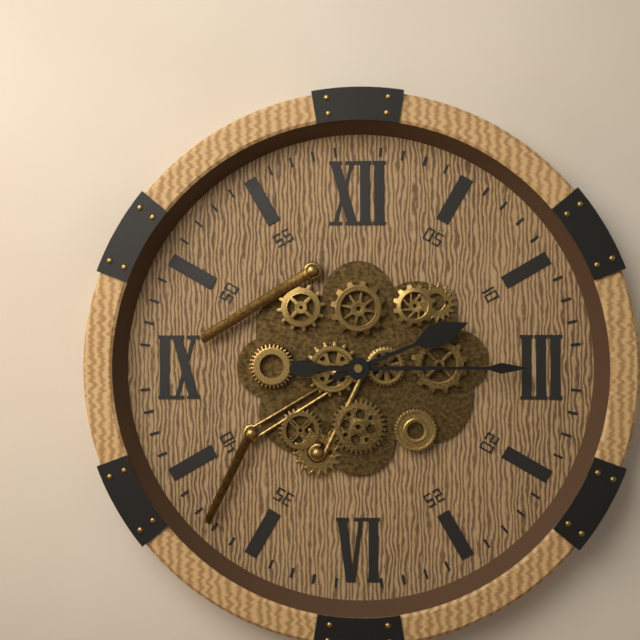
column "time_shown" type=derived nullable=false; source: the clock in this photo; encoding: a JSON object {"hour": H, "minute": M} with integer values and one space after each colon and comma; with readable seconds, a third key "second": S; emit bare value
{"hour": 2, "minute": 15}
